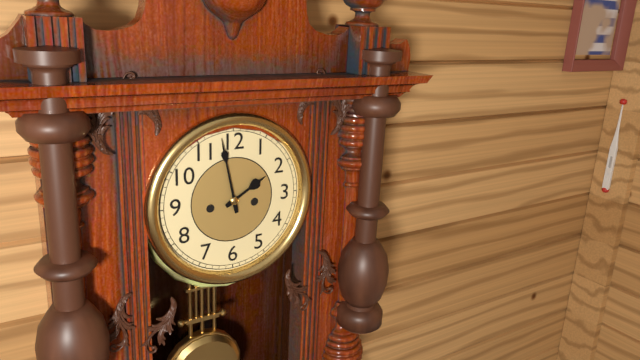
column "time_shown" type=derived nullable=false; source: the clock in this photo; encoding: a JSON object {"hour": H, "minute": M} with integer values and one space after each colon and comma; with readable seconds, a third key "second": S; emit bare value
{"hour": 1, "minute": 58}
